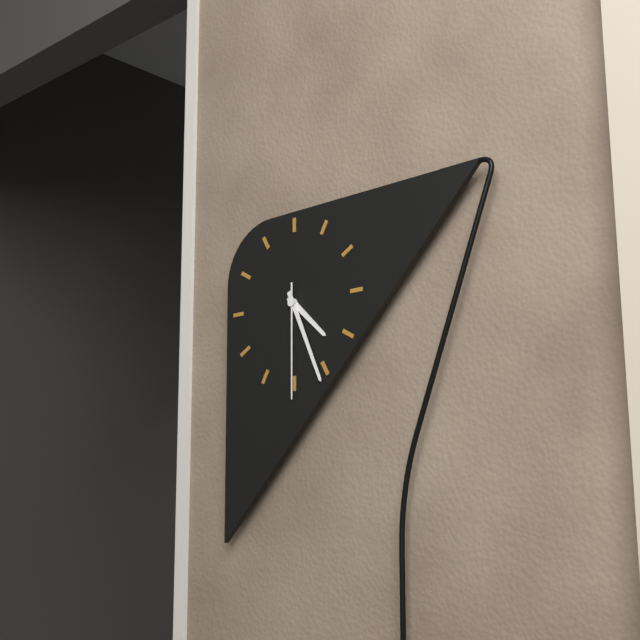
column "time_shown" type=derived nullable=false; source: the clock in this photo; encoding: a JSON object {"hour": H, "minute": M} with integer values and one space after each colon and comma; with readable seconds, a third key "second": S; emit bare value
{"hour": 4, "minute": 26, "second": 30}
